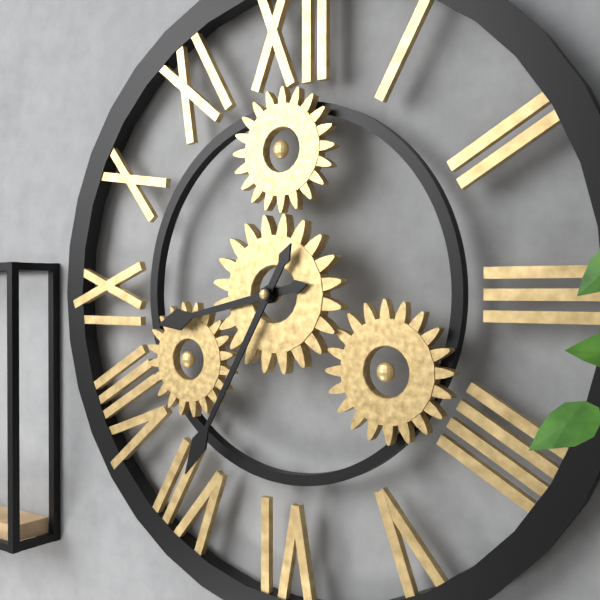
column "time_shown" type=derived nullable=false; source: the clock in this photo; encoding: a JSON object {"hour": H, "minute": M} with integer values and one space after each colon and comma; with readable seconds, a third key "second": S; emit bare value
{"hour": 8, "minute": 35}
